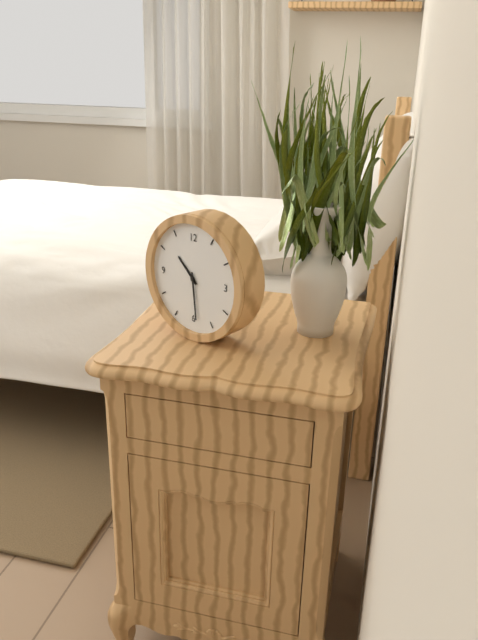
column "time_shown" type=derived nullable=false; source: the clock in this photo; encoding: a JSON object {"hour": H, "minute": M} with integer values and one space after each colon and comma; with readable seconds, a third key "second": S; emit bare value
{"hour": 10, "minute": 29}
